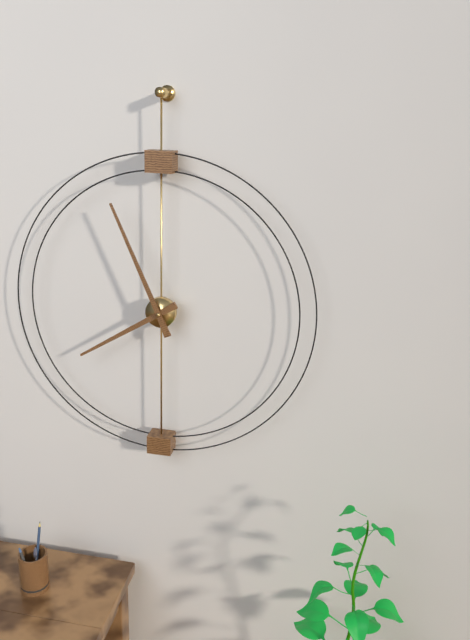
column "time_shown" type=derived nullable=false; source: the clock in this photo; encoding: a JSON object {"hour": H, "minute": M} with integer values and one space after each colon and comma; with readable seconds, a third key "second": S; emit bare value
{"hour": 7, "minute": 56}
